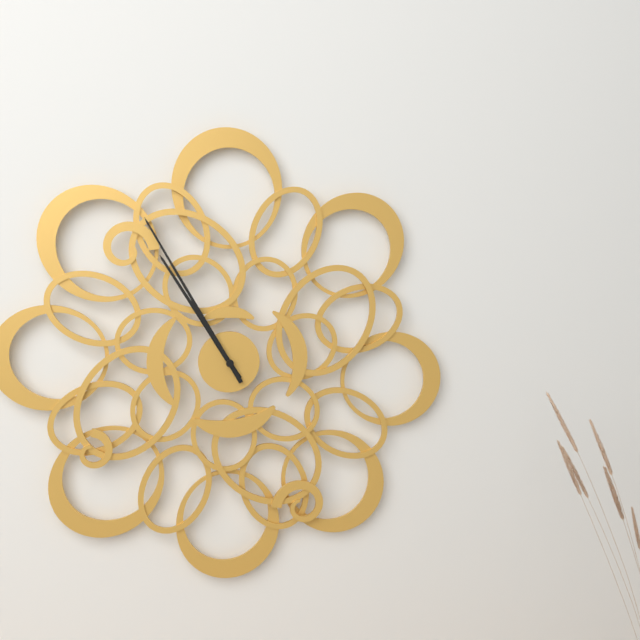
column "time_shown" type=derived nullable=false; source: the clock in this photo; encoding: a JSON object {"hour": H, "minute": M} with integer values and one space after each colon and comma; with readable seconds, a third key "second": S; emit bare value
{"hour": 10, "minute": 55}
